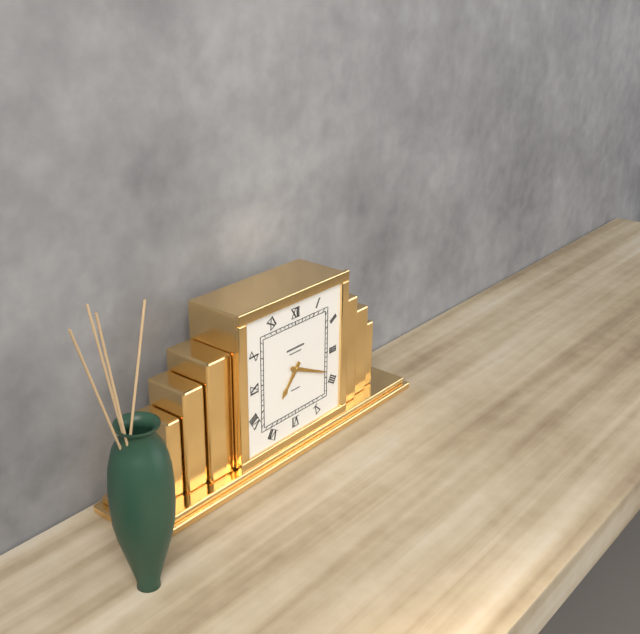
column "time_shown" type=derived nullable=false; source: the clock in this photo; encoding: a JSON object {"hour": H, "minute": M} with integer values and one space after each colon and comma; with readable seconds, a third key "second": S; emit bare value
{"hour": 7, "minute": 19}
